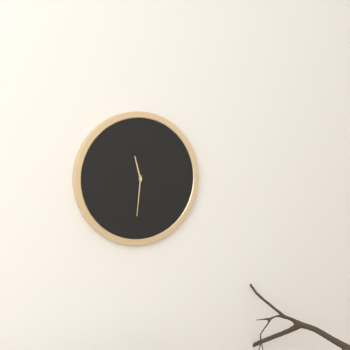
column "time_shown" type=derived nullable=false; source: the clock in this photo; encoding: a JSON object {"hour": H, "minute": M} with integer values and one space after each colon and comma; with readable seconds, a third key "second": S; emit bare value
{"hour": 11, "minute": 31}
